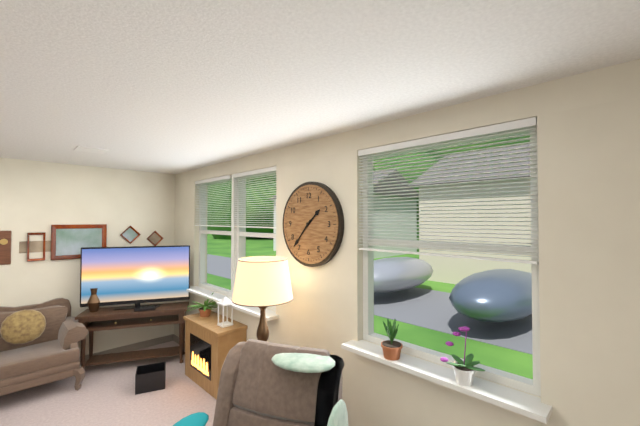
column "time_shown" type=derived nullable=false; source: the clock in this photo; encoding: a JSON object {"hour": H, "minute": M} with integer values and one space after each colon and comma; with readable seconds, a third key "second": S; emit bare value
{"hour": 1, "minute": 37}
